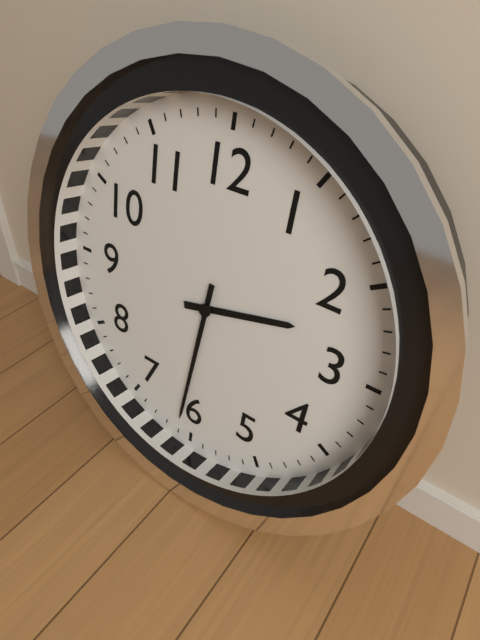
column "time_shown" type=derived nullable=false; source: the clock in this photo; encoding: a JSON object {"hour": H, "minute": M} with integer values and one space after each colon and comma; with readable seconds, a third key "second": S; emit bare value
{"hour": 2, "minute": 31}
